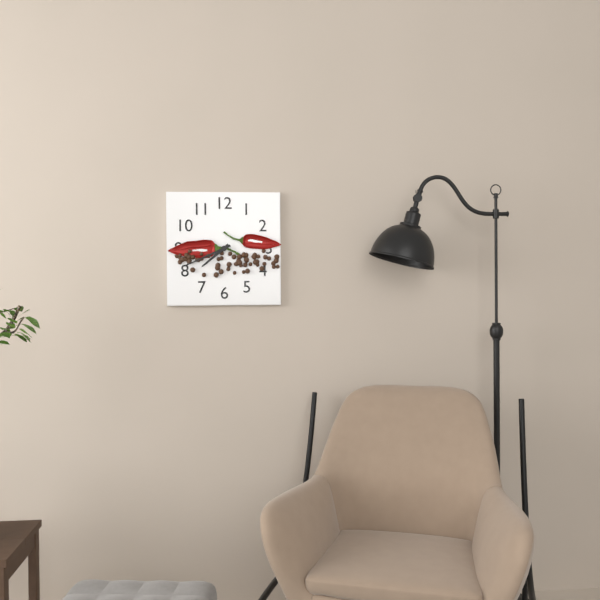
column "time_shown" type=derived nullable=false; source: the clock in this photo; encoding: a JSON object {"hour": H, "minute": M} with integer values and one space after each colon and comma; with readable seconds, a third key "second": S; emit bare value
{"hour": 7, "minute": 41}
